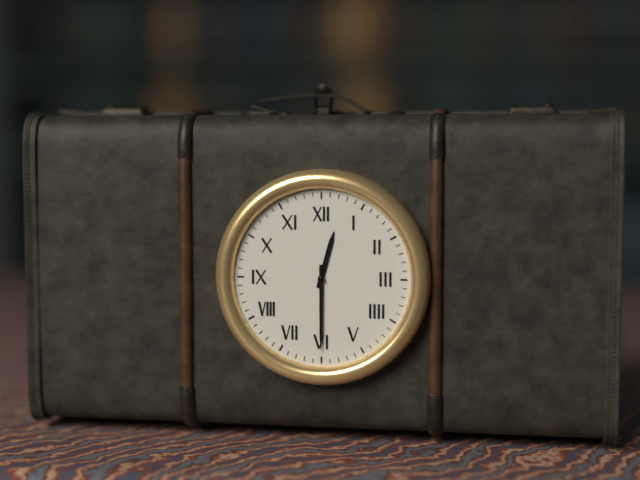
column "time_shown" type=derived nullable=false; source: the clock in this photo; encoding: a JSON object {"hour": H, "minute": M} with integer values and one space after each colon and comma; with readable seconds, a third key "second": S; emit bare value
{"hour": 12, "minute": 30}
